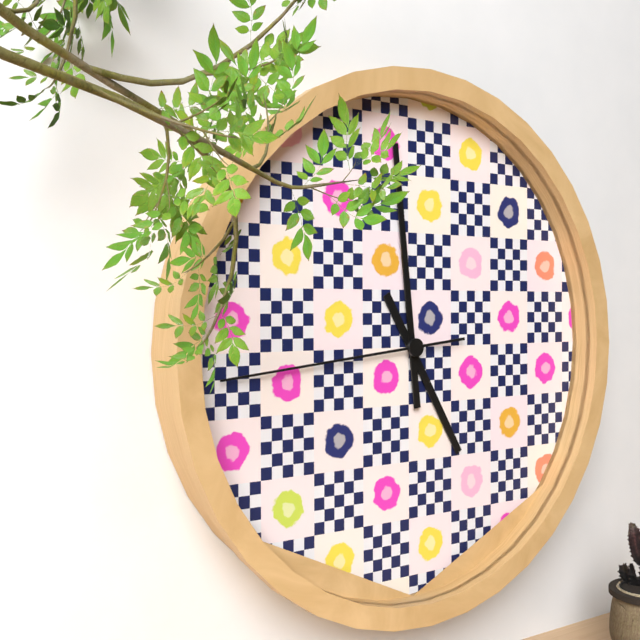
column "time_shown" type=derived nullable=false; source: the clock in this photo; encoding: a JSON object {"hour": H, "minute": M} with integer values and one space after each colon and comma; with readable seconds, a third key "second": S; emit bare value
{"hour": 4, "minute": 59, "second": 44}
